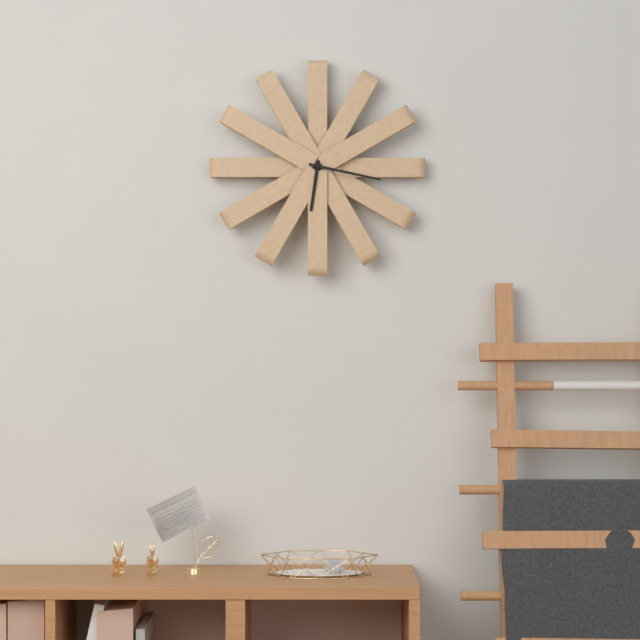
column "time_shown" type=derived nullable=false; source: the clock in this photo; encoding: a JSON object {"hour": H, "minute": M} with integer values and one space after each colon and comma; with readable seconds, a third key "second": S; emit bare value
{"hour": 6, "minute": 17}
